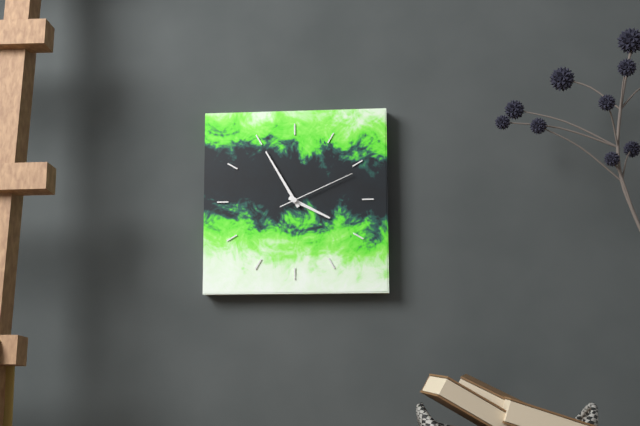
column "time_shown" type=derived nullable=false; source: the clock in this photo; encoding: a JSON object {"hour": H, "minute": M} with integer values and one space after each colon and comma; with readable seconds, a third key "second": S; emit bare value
{"hour": 3, "minute": 55, "second": 11}
